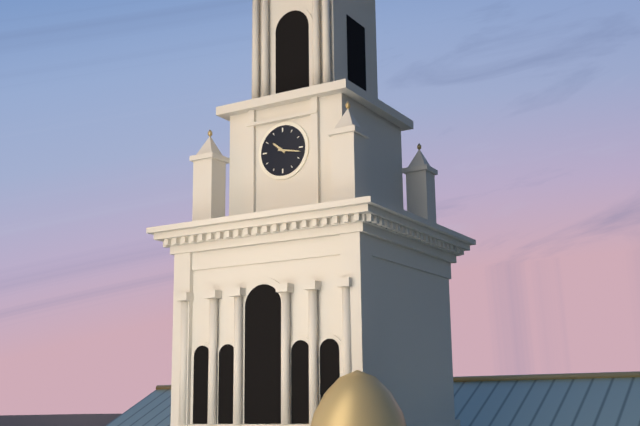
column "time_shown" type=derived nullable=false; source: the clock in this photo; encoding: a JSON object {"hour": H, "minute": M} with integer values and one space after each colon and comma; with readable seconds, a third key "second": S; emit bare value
{"hour": 10, "minute": 17}
